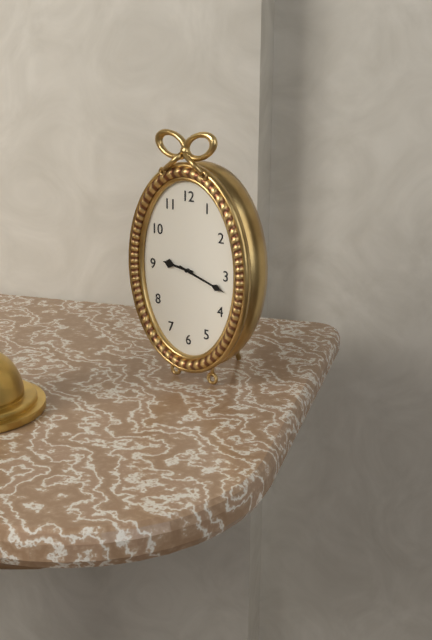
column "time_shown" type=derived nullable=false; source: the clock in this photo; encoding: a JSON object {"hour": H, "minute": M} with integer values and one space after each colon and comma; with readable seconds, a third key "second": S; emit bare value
{"hour": 9, "minute": 18}
